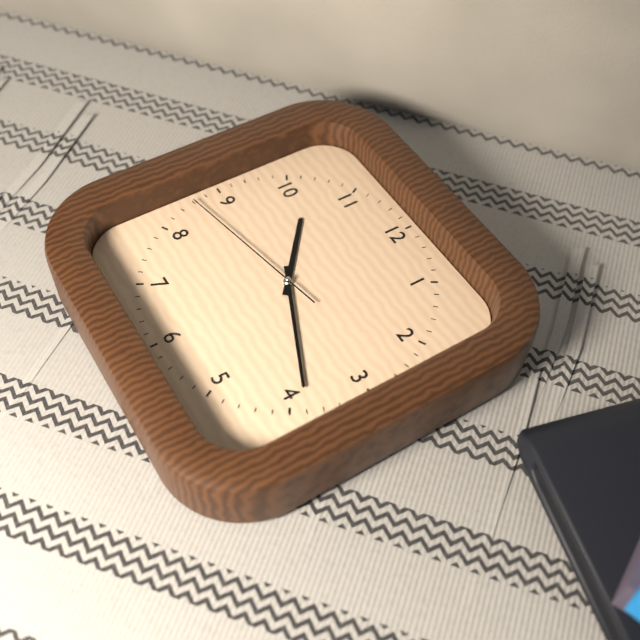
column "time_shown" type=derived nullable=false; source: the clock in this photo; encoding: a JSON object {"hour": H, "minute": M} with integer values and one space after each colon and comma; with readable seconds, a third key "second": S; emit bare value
{"hour": 10, "minute": 19, "second": 43}
